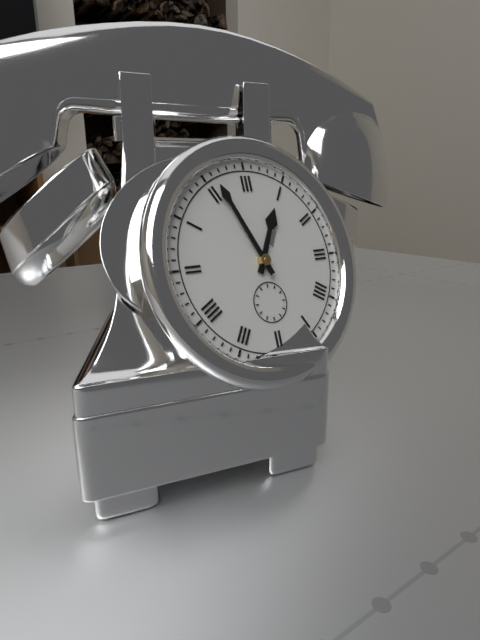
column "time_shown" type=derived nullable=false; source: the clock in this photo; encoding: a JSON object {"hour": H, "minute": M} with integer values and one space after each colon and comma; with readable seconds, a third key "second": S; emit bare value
{"hour": 12, "minute": 56}
